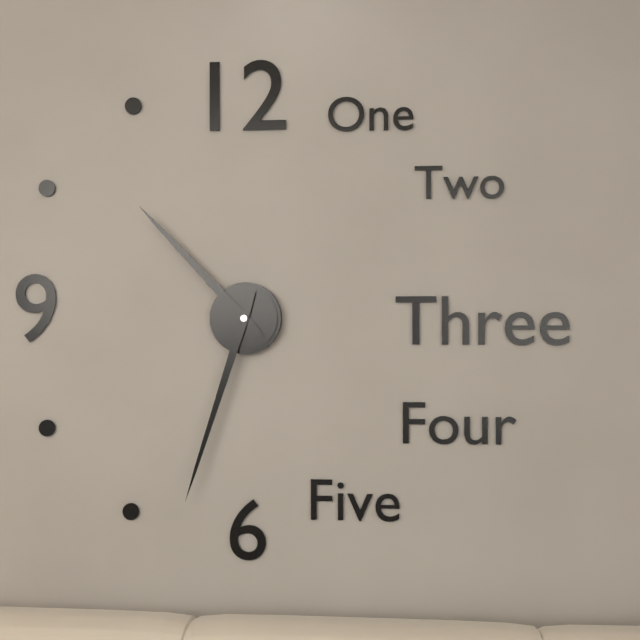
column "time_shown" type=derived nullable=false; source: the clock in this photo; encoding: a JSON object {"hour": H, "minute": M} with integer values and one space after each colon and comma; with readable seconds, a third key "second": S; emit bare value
{"hour": 10, "minute": 33}
